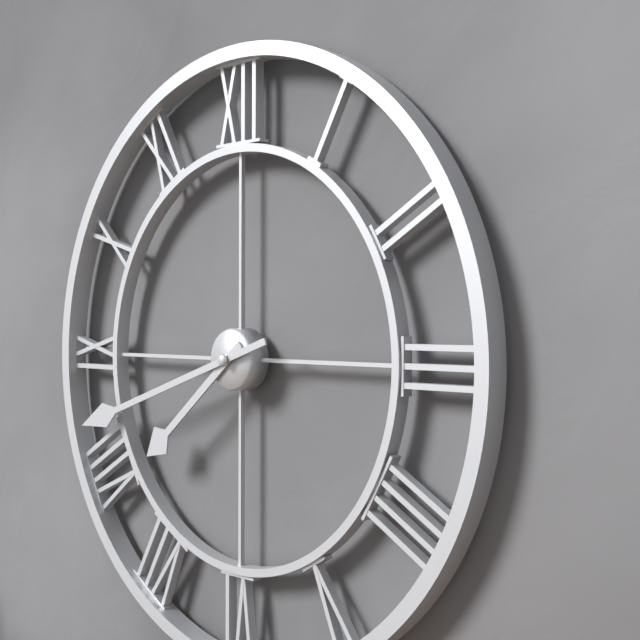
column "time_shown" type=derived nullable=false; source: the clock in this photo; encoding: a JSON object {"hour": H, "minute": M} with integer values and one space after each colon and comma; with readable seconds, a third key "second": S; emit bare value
{"hour": 7, "minute": 42}
